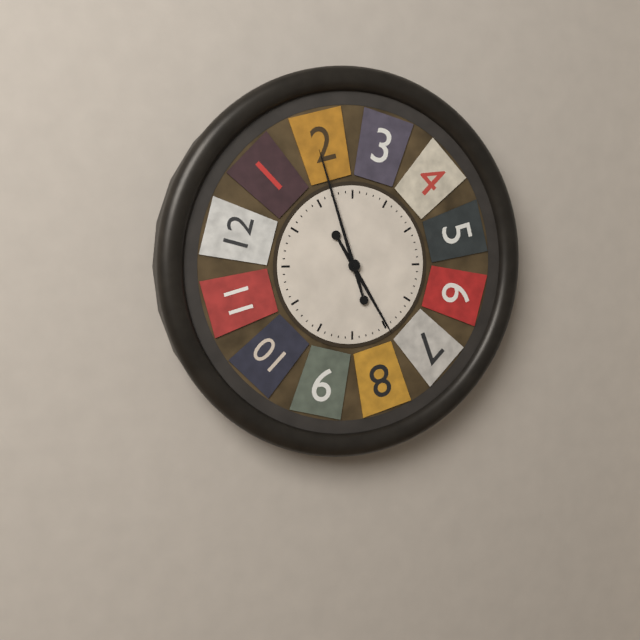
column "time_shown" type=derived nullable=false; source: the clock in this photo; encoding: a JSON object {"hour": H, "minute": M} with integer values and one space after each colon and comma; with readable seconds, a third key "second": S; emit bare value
{"hour": 4, "minute": 57}
